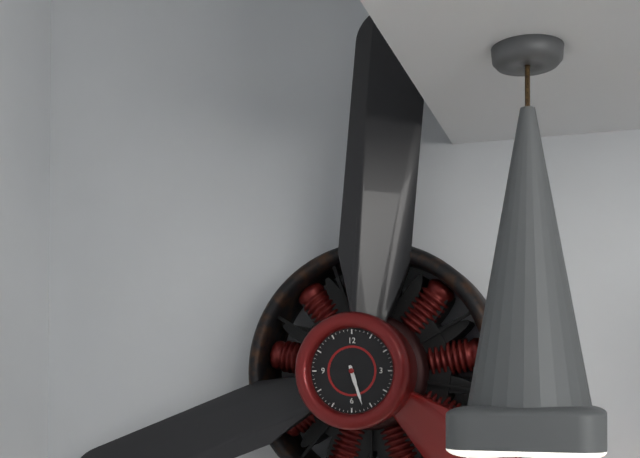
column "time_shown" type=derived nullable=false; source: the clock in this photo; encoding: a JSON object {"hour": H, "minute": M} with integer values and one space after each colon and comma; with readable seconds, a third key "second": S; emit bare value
{"hour": 5, "minute": 27}
